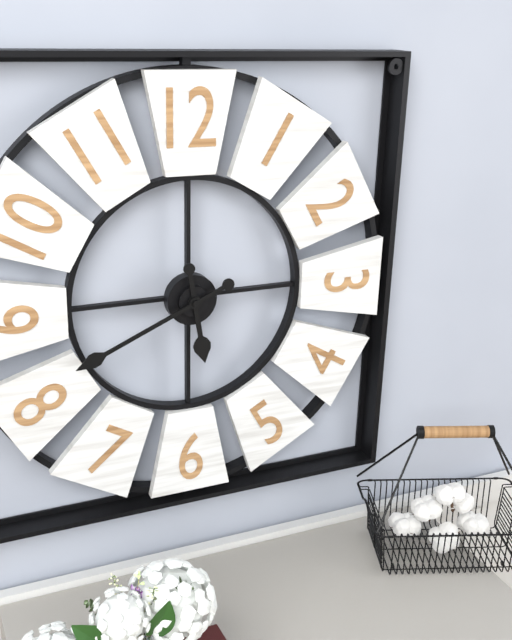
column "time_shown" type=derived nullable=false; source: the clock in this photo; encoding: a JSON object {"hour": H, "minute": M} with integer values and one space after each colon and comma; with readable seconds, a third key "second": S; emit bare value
{"hour": 5, "minute": 41}
